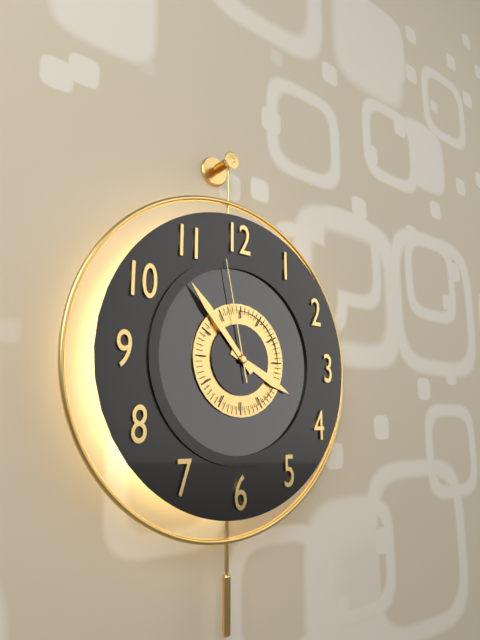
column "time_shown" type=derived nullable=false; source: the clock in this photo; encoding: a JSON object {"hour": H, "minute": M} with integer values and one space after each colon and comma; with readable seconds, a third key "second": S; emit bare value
{"hour": 3, "minute": 53, "second": 58}
